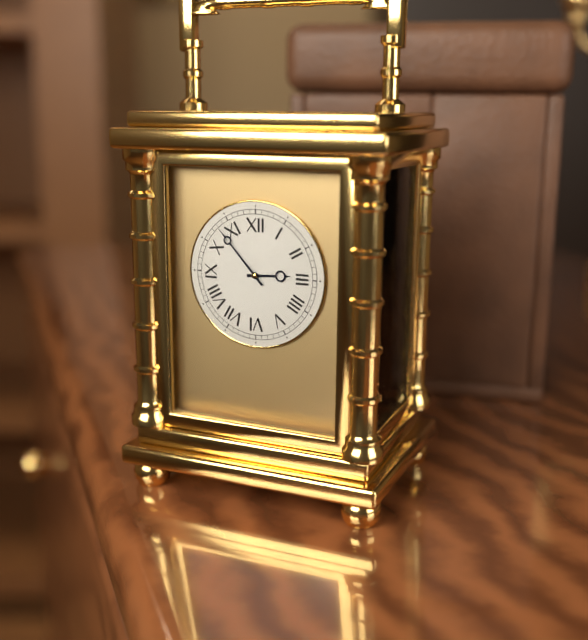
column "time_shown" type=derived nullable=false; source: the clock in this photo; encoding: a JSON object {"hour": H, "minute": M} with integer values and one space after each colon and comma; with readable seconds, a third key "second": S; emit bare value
{"hour": 2, "minute": 53}
